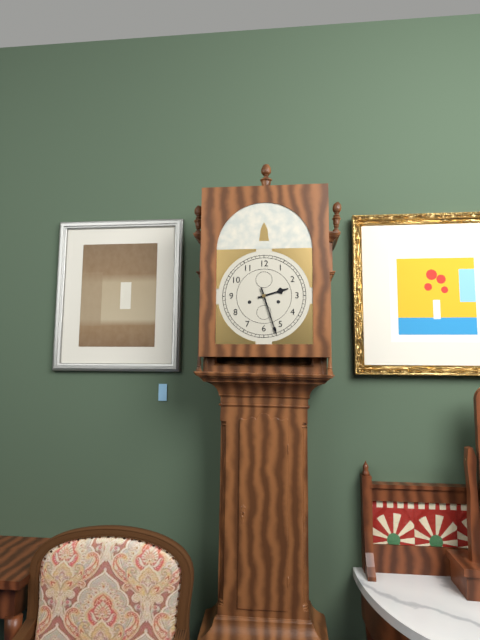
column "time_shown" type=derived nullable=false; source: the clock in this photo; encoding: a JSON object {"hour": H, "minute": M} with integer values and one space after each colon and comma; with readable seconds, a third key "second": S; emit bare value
{"hour": 2, "minute": 27}
